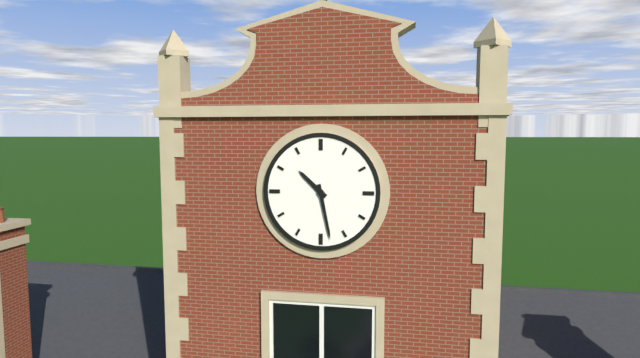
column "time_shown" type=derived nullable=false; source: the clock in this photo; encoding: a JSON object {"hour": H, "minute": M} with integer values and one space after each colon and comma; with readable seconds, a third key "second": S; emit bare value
{"hour": 10, "minute": 28}
